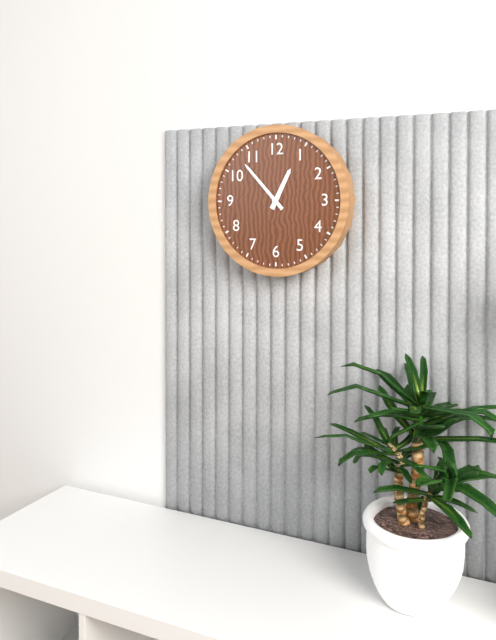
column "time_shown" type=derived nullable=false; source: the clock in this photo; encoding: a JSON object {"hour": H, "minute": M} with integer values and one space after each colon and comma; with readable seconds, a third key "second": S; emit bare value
{"hour": 12, "minute": 53}
